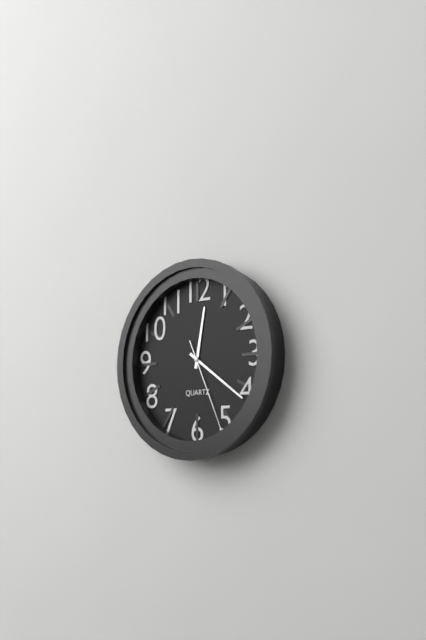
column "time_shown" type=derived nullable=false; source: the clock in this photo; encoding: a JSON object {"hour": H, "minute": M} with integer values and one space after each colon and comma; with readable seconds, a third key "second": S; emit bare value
{"hour": 12, "minute": 21, "second": 26}
